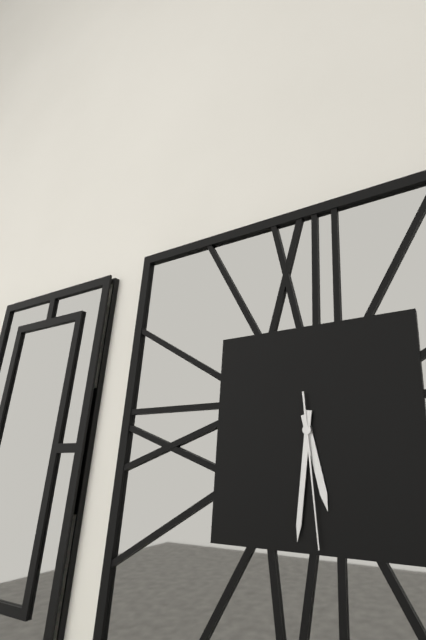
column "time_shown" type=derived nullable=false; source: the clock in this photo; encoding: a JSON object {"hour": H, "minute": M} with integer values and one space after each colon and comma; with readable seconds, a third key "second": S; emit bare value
{"hour": 5, "minute": 31, "second": 29}
